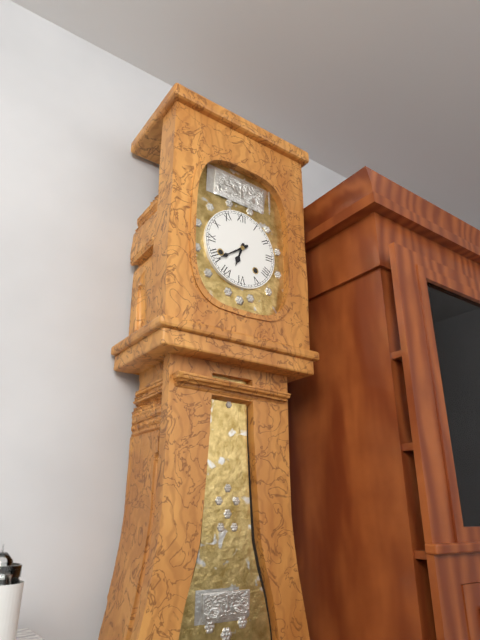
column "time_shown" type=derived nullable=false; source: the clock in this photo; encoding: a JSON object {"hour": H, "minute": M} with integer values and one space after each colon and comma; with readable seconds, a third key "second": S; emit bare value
{"hour": 6, "minute": 39}
